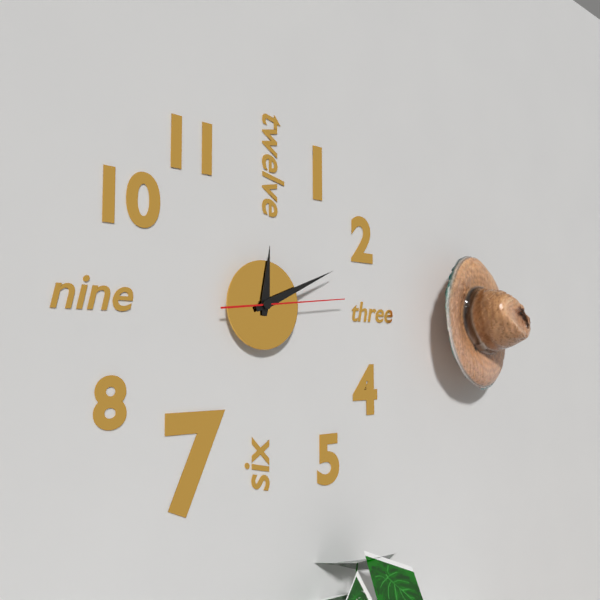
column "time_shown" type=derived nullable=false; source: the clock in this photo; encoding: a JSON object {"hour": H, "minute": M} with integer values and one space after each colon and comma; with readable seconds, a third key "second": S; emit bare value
{"hour": 12, "minute": 11, "second": 14}
